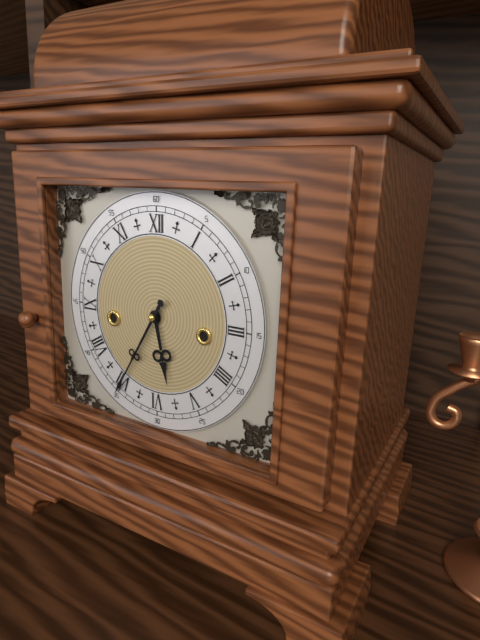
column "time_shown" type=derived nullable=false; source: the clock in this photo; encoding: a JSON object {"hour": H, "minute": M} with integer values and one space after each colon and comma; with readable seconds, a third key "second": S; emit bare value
{"hour": 5, "minute": 35}
